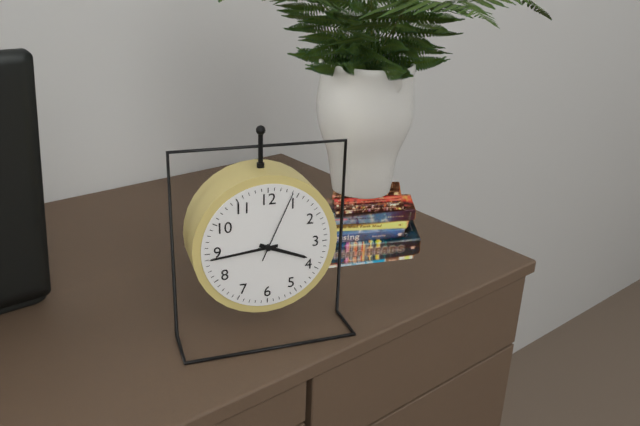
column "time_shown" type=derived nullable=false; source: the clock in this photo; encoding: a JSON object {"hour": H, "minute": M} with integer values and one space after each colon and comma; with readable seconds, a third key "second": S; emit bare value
{"hour": 3, "minute": 44, "second": 4}
